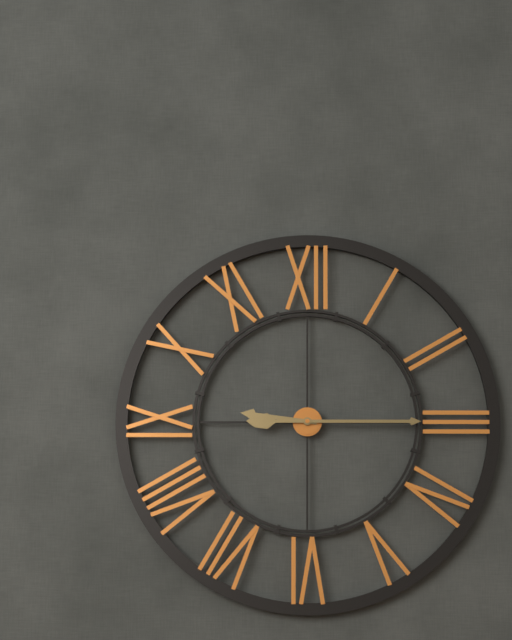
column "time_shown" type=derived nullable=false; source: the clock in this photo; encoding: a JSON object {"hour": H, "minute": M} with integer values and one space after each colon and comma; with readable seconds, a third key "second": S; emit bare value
{"hour": 9, "minute": 15}
